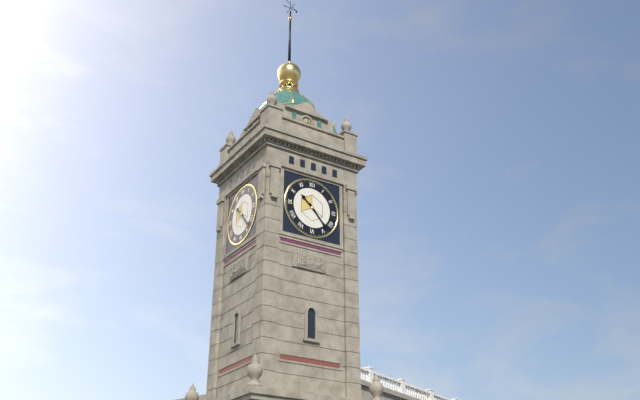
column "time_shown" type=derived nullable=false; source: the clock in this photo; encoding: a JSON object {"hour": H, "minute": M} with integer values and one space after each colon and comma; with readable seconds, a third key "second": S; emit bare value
{"hour": 10, "minute": 23}
